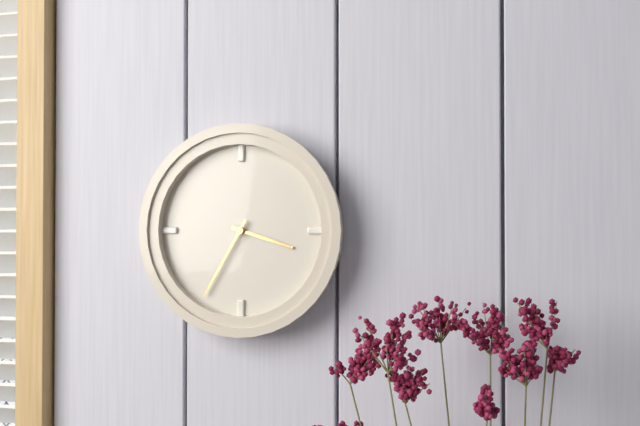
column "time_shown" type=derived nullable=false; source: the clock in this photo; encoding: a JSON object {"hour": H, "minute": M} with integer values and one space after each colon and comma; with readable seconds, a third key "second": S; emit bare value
{"hour": 3, "minute": 35}
